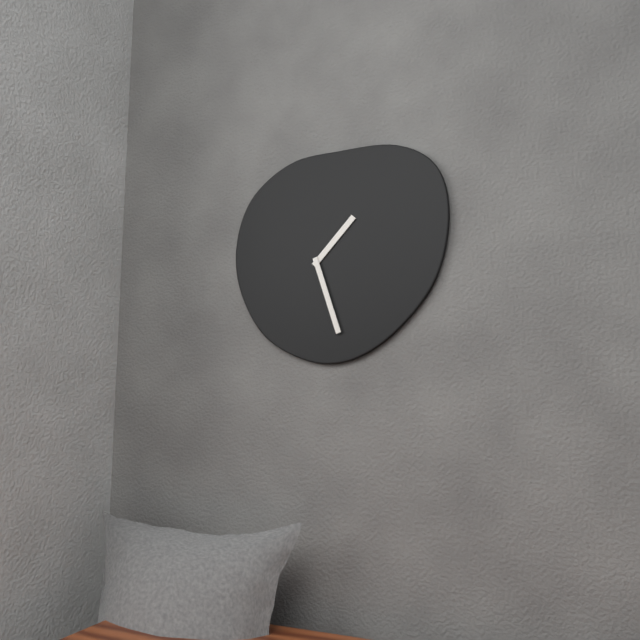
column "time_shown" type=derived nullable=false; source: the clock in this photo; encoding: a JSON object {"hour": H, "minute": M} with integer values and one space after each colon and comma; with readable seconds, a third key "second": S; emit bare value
{"hour": 1, "minute": 27}
